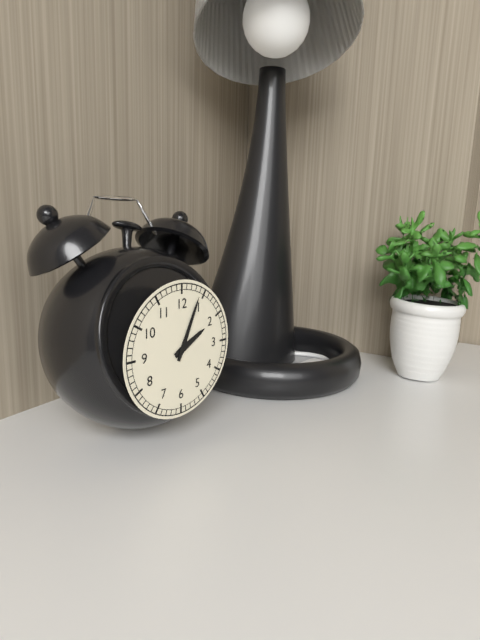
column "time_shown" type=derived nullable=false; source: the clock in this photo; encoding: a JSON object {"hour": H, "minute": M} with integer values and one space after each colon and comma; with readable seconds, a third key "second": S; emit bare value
{"hour": 2, "minute": 4}
